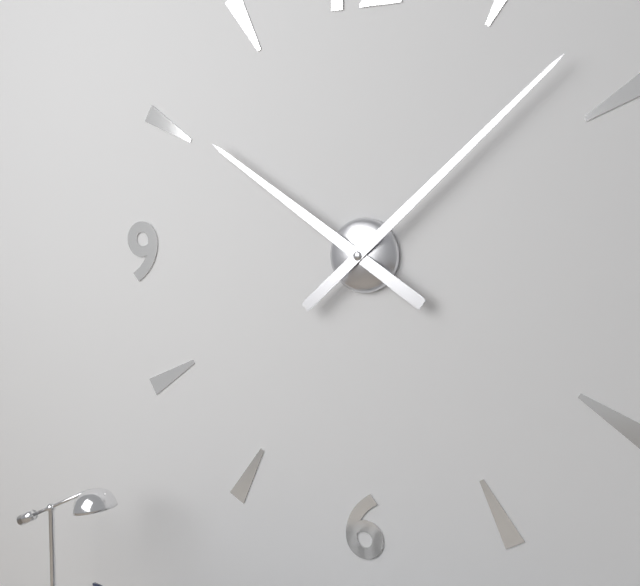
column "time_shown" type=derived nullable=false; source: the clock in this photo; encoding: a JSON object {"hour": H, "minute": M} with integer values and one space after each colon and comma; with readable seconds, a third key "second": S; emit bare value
{"hour": 10, "minute": 8}
